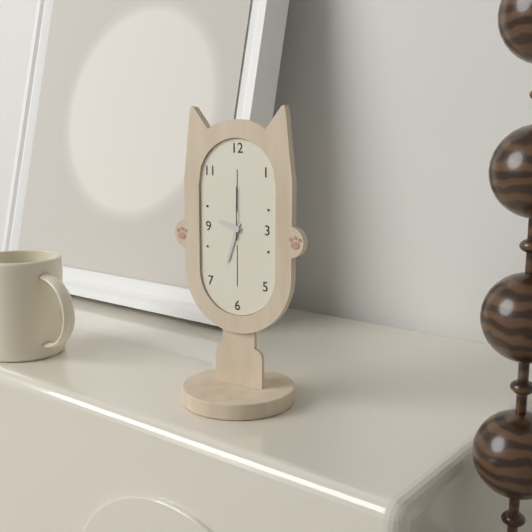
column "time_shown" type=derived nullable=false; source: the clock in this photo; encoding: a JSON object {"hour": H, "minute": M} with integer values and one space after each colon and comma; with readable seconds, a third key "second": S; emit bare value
{"hour": 9, "minute": 33, "second": 0}
